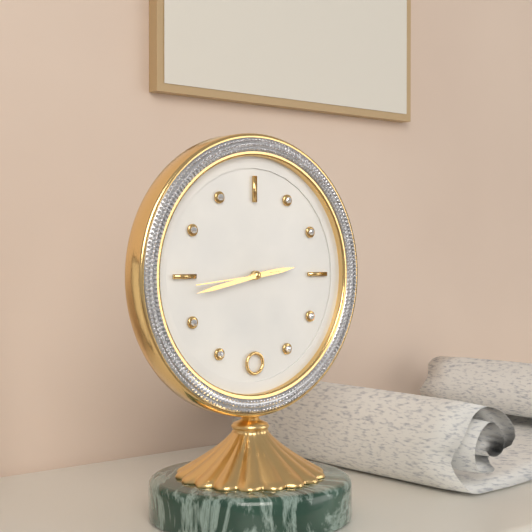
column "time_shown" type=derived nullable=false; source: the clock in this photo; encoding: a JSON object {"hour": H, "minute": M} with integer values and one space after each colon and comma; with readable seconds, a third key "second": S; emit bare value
{"hour": 2, "minute": 43, "second": 44}
